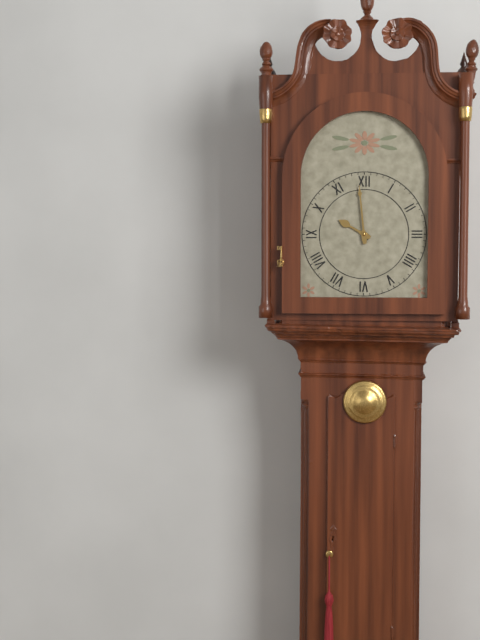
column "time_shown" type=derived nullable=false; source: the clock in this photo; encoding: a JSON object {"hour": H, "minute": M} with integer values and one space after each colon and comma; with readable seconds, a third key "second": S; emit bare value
{"hour": 9, "minute": 59}
